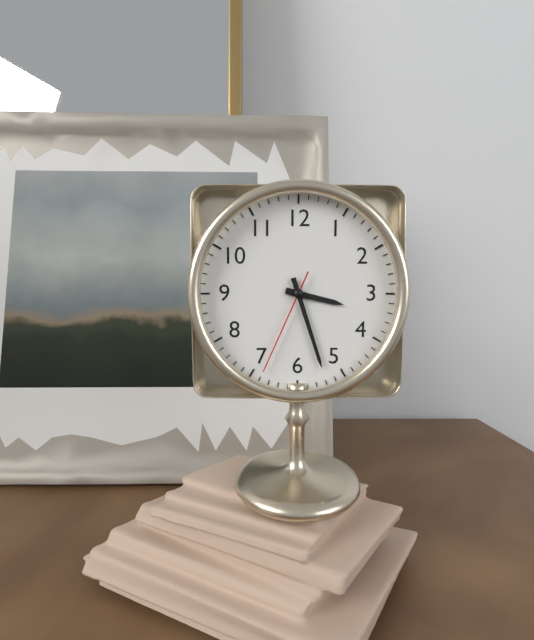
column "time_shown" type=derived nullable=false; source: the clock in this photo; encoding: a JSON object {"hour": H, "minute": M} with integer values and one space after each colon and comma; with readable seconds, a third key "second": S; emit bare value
{"hour": 3, "minute": 27, "second": 34}
